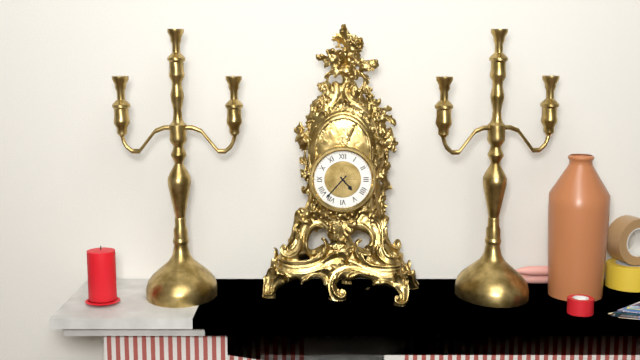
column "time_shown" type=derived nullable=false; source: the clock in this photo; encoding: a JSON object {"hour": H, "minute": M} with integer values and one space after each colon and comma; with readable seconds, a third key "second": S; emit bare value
{"hour": 4, "minute": 37}
